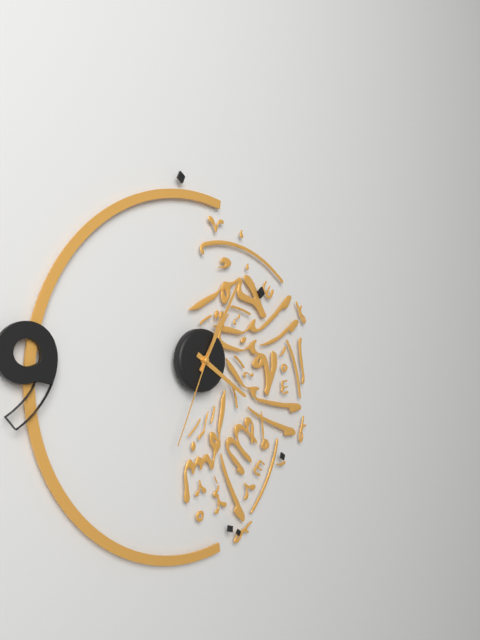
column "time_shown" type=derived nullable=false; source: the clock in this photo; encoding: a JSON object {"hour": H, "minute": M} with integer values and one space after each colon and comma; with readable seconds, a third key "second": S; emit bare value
{"hour": 4, "minute": 5, "second": 34}
